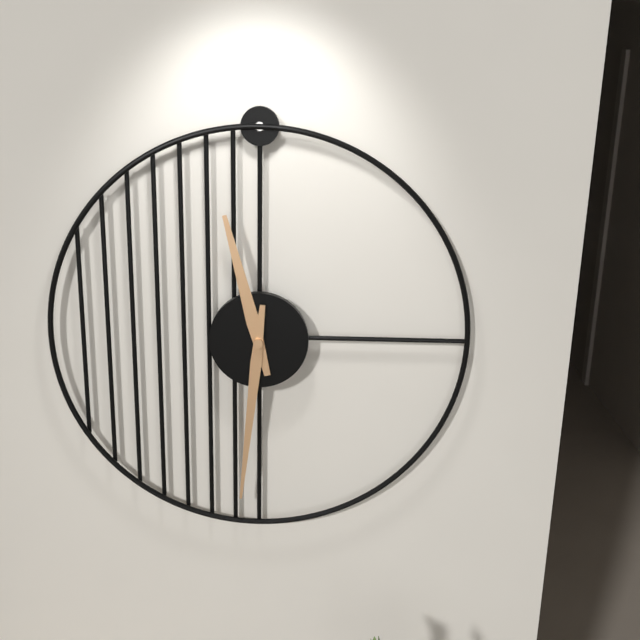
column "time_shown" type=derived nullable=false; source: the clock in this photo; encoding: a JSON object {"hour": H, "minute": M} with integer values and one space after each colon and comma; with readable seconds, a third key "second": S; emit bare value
{"hour": 11, "minute": 31}
